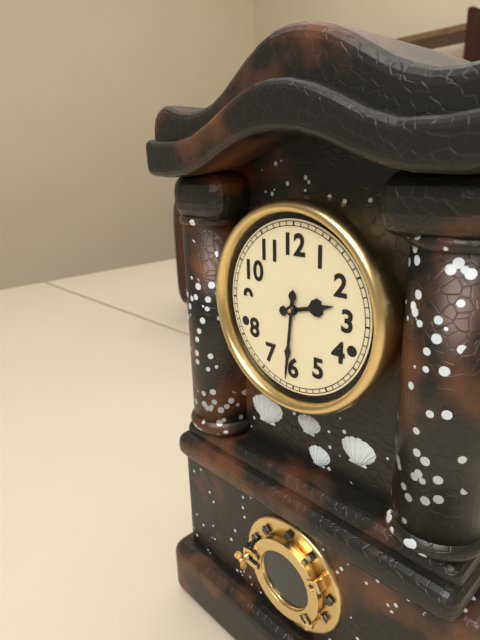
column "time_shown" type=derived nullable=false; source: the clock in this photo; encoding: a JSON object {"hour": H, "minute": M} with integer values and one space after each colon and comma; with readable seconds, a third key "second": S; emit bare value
{"hour": 2, "minute": 31}
